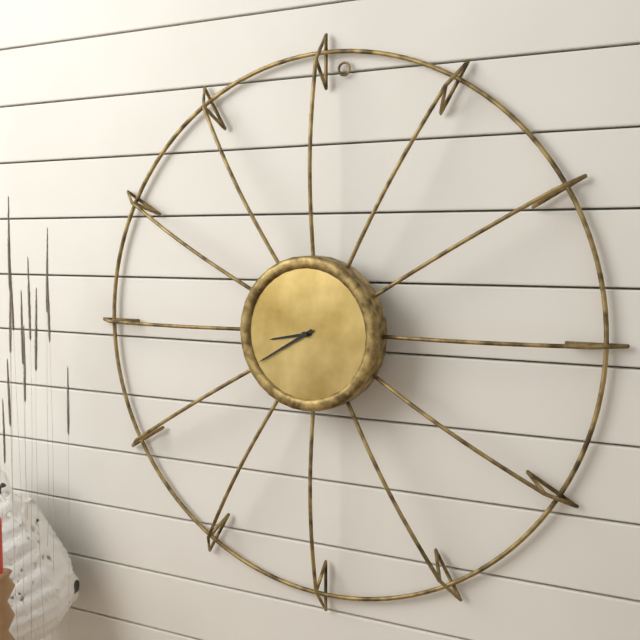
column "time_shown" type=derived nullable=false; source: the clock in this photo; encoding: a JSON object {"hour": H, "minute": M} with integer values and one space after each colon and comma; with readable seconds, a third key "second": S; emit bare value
{"hour": 8, "minute": 40}
